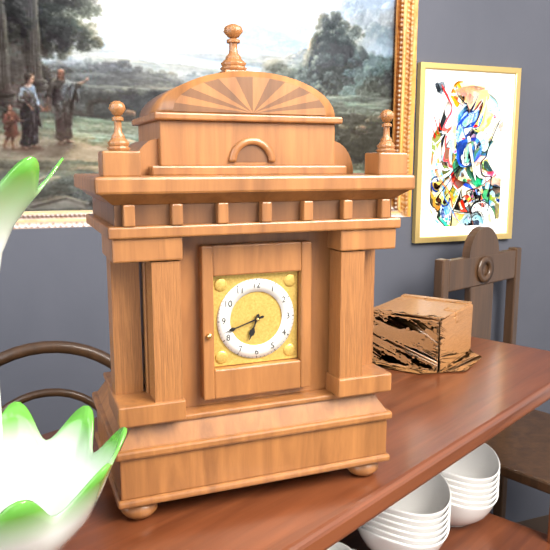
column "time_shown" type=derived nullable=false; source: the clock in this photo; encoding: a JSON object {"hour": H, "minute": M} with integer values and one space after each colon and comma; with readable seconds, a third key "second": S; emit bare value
{"hour": 6, "minute": 42}
